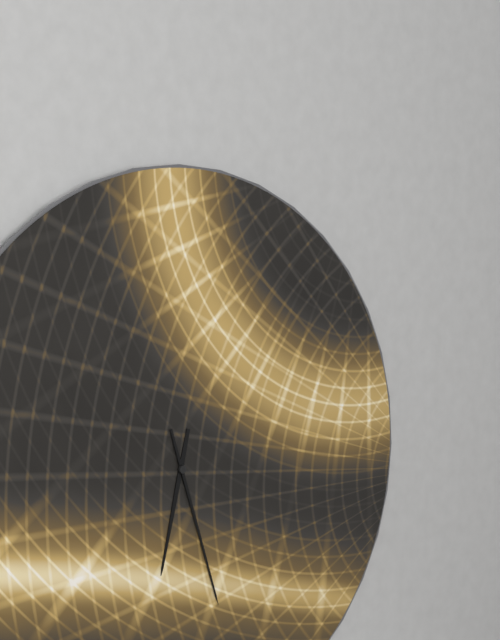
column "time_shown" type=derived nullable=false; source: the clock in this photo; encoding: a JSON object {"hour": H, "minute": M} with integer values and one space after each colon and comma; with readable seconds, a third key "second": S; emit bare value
{"hour": 6, "minute": 27}
